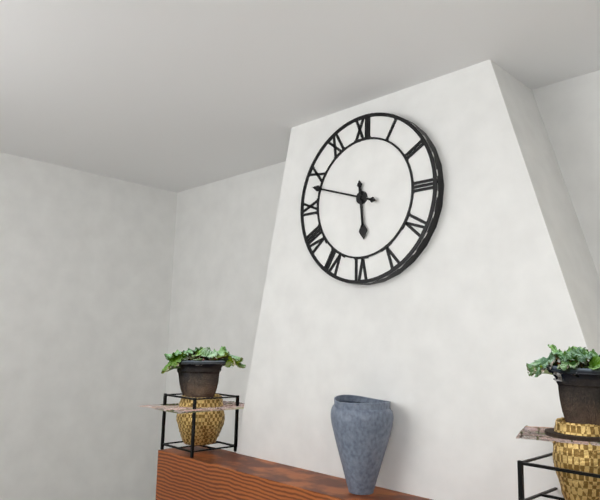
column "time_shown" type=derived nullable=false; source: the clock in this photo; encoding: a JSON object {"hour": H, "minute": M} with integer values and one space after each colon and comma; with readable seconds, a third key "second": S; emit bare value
{"hour": 5, "minute": 48}
